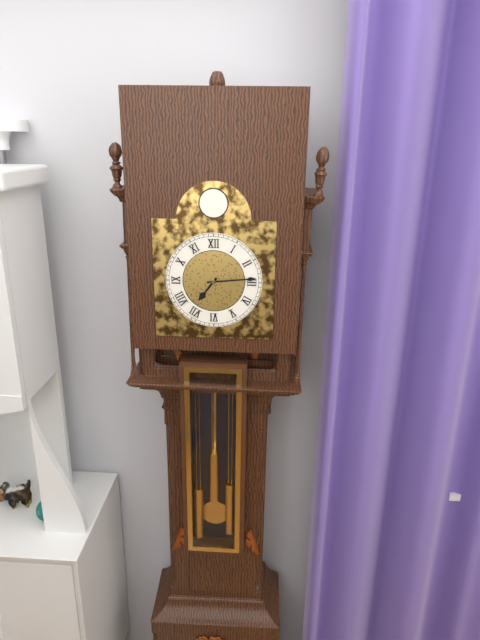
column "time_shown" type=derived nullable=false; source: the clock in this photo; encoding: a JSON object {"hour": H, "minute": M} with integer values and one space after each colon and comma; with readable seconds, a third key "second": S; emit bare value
{"hour": 7, "minute": 14}
